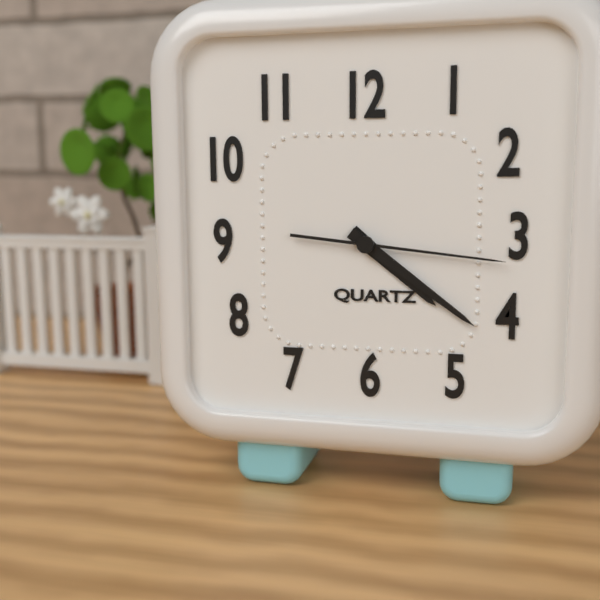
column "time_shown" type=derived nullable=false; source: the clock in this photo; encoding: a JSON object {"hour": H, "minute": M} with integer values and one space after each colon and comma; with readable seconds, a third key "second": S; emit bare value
{"hour": 4, "minute": 21, "second": 16}
